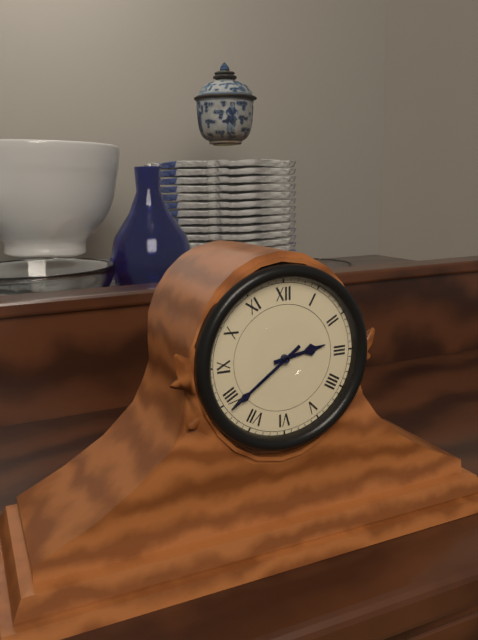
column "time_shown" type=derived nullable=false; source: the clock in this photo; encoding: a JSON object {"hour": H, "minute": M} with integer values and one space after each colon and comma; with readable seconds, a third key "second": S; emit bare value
{"hour": 2, "minute": 39}
